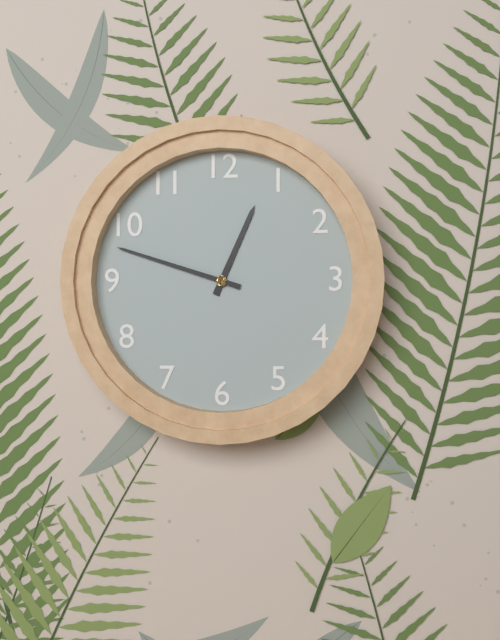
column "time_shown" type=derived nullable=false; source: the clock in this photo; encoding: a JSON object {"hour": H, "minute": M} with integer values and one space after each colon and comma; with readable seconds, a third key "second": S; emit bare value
{"hour": 12, "minute": 48}
